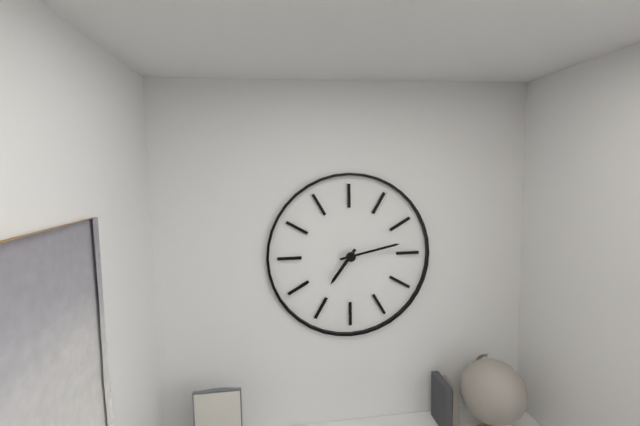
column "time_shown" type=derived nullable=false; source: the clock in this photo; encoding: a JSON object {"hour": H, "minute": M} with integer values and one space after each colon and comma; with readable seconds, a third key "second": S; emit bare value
{"hour": 7, "minute": 13}
